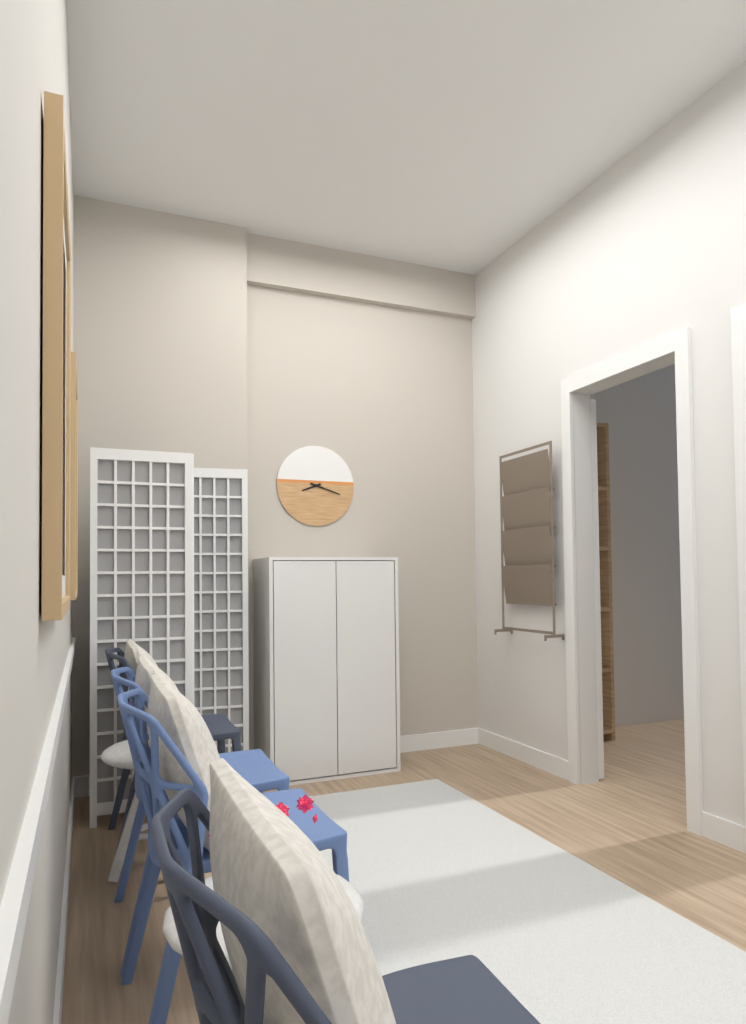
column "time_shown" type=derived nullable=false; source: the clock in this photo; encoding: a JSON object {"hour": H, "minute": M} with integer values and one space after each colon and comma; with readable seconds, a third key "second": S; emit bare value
{"hour": 8, "minute": 18}
